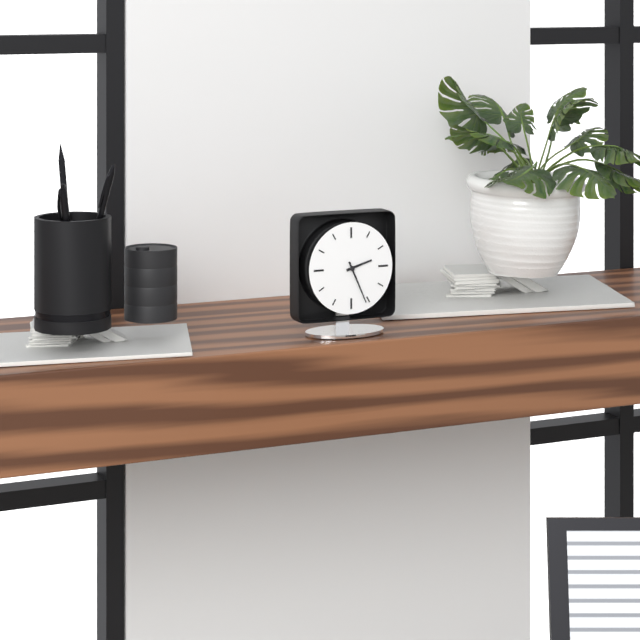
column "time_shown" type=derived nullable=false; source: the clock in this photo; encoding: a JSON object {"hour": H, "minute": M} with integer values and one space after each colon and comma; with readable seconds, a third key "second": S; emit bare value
{"hour": 2, "minute": 26}
